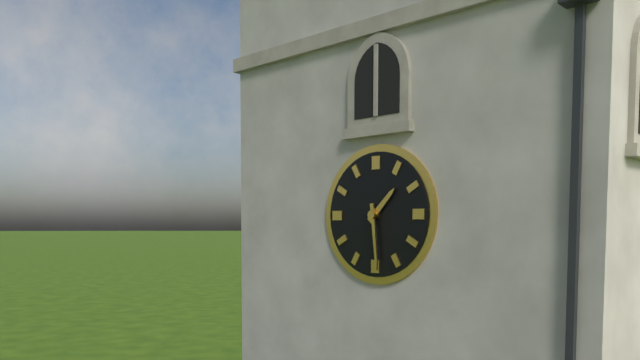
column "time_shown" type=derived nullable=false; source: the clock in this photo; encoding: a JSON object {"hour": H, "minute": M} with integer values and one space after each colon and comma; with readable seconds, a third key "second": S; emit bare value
{"hour": 1, "minute": 29}
